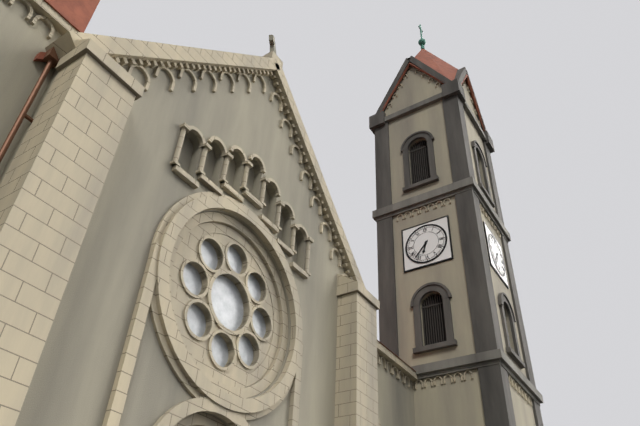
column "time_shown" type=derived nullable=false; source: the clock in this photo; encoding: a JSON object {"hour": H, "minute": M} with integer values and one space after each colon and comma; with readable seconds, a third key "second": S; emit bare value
{"hour": 6, "minute": 37}
